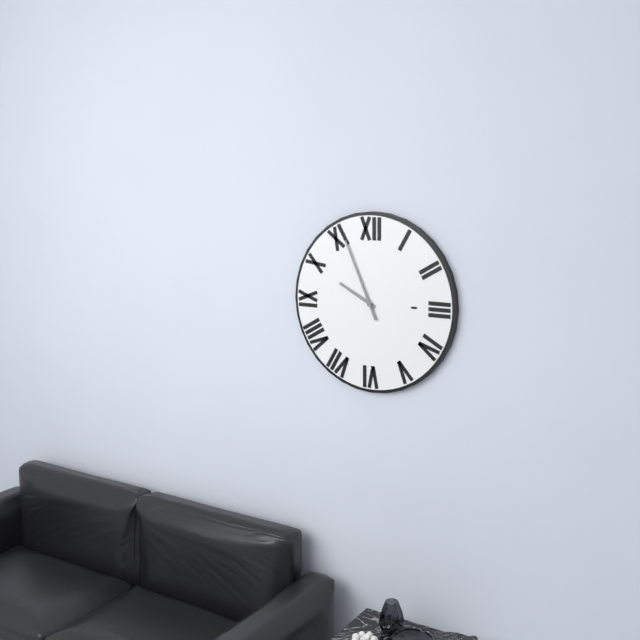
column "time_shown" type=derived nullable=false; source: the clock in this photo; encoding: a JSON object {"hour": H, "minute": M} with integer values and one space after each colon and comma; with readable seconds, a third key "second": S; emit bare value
{"hour": 9, "minute": 56}
